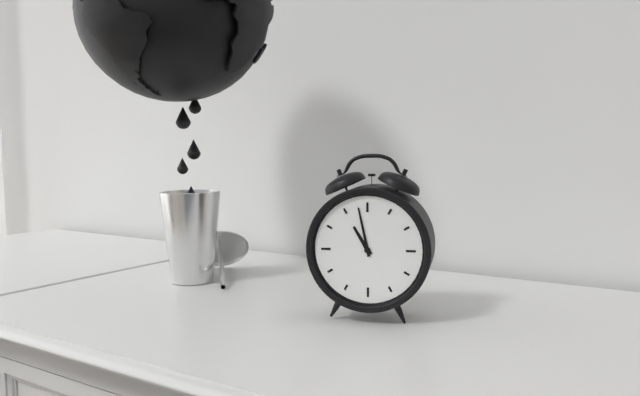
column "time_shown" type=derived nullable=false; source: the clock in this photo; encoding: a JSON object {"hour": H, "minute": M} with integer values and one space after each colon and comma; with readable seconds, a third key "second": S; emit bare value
{"hour": 10, "minute": 58}
